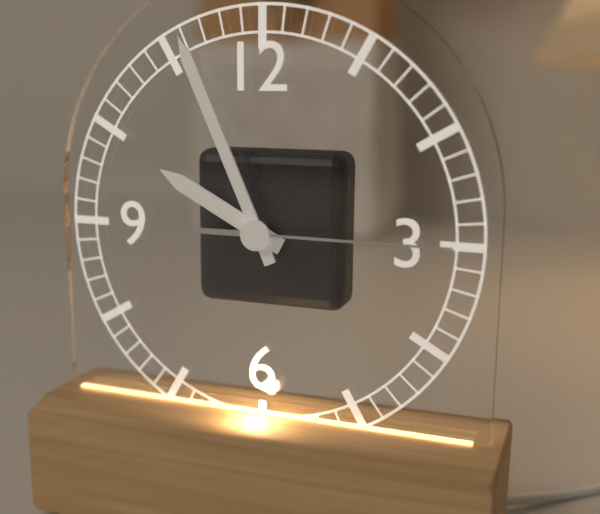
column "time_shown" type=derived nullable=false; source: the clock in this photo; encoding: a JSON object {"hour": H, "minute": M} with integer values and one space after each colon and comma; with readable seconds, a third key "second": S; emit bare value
{"hour": 9, "minute": 56, "second": 15}
